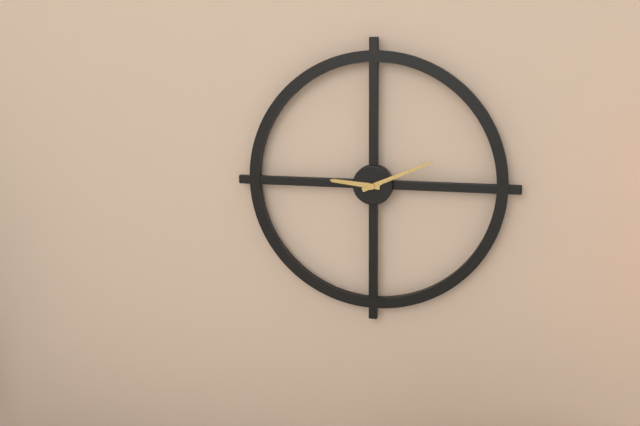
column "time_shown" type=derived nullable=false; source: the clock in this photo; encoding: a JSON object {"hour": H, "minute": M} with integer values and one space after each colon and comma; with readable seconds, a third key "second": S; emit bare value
{"hour": 9, "minute": 11}
